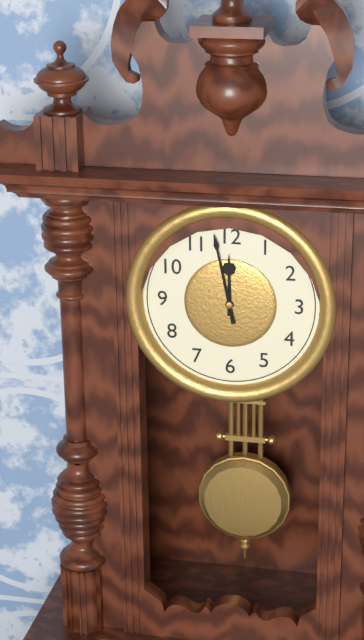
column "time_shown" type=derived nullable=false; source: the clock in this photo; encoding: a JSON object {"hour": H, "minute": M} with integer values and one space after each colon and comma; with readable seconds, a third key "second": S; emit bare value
{"hour": 11, "minute": 58}
